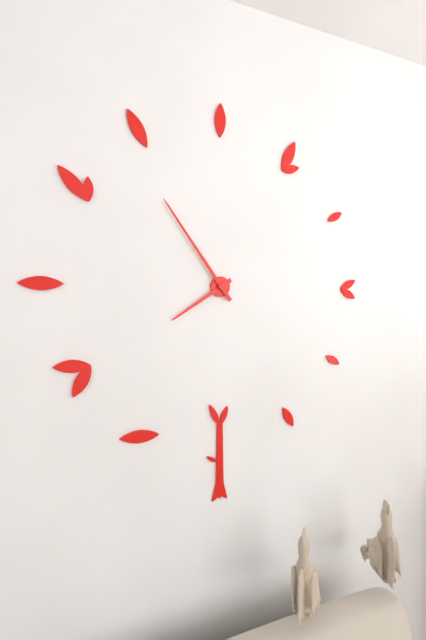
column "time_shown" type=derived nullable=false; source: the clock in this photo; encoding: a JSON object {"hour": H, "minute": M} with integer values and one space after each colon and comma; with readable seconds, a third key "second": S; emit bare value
{"hour": 7, "minute": 54}
